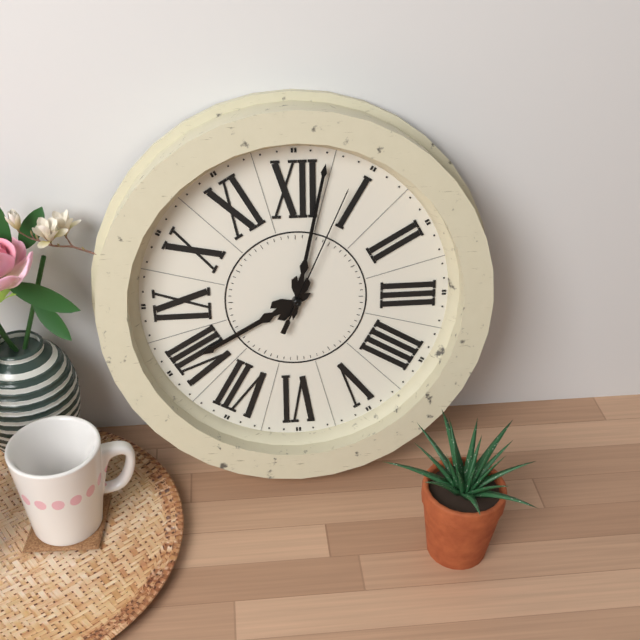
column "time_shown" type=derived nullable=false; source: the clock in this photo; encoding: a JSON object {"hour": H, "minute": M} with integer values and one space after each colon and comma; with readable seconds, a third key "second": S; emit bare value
{"hour": 8, "minute": 2, "second": 4}
